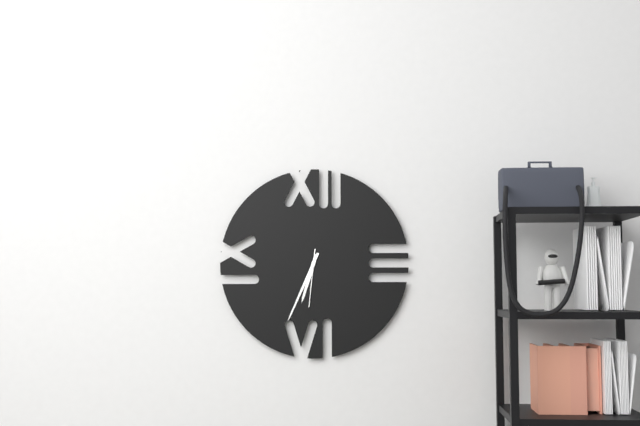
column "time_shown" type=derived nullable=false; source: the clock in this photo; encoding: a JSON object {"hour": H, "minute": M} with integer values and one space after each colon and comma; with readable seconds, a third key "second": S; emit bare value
{"hour": 6, "minute": 34, "second": 31}
